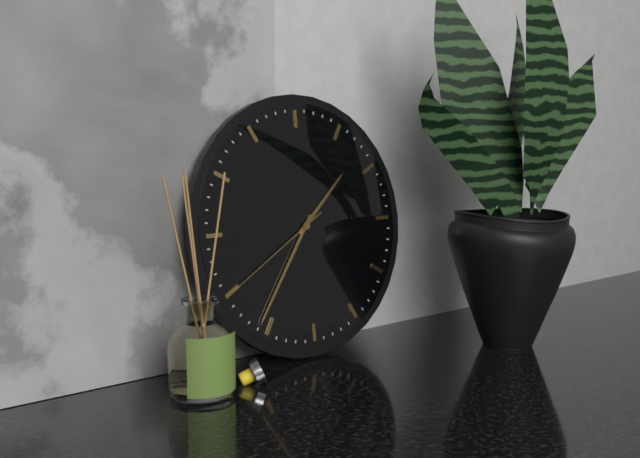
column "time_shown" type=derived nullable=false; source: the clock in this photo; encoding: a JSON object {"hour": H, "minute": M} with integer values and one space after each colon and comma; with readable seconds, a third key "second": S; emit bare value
{"hour": 1, "minute": 36, "second": 40}
